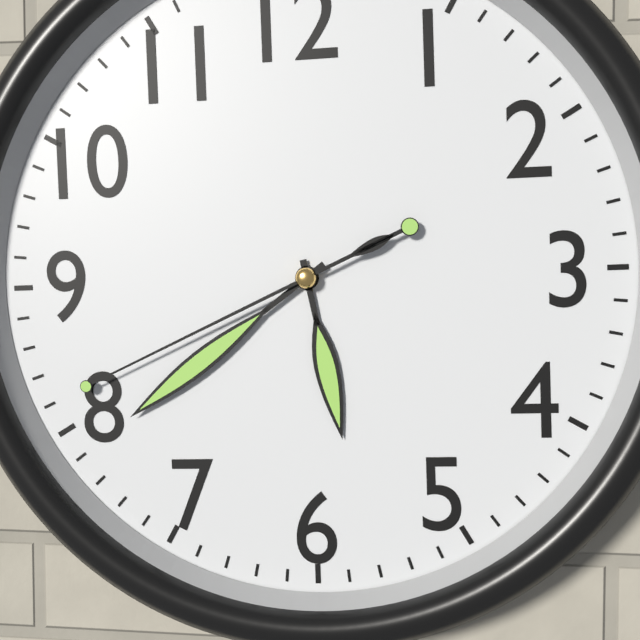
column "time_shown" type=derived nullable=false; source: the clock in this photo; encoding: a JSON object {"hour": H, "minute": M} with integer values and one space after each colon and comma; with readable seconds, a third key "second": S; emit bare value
{"hour": 5, "minute": 39, "second": 41}
